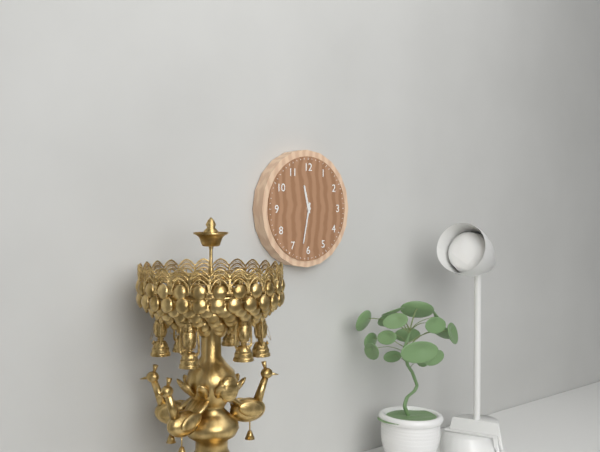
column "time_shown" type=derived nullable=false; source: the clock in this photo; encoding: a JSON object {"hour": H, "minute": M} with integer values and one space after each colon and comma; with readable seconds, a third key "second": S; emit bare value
{"hour": 11, "minute": 32}
